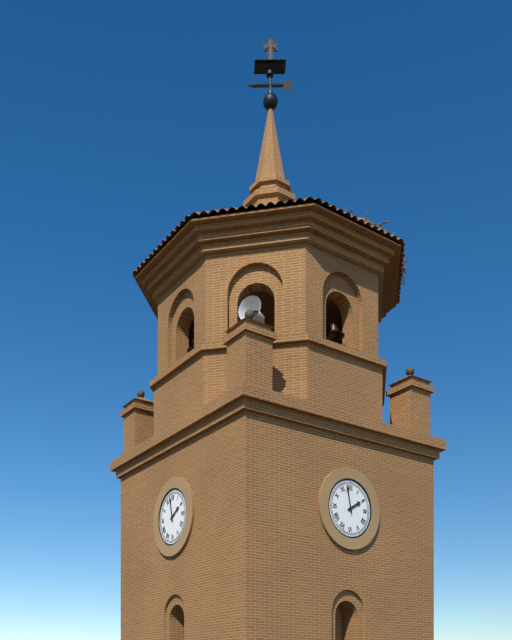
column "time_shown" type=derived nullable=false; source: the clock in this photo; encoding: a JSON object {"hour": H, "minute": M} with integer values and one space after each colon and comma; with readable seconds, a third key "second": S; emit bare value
{"hour": 1, "minute": 58}
